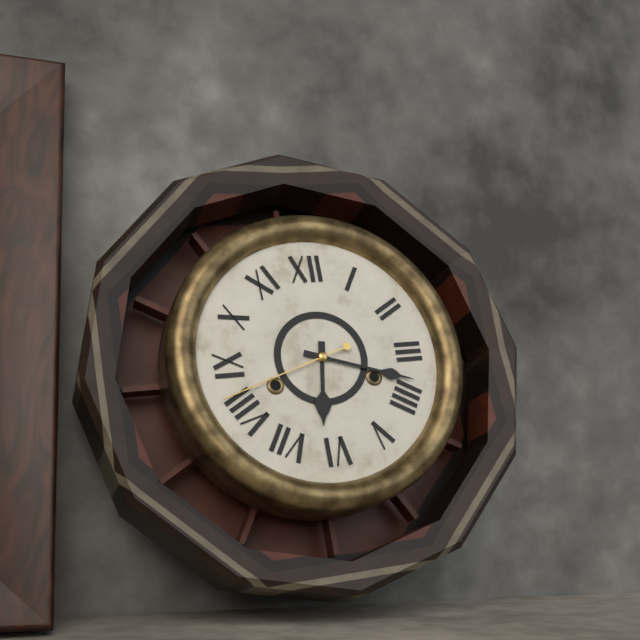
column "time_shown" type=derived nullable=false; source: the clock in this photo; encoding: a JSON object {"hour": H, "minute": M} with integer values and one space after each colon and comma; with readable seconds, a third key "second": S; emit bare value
{"hour": 6, "minute": 18, "second": 42}
